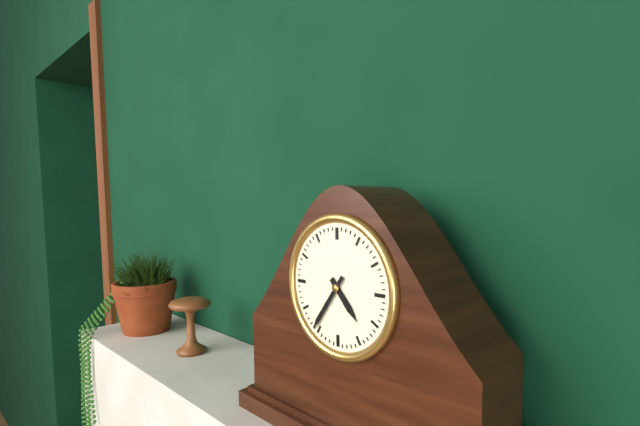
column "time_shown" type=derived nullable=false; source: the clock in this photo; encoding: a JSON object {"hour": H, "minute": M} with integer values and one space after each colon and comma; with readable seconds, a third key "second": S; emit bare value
{"hour": 4, "minute": 36}
